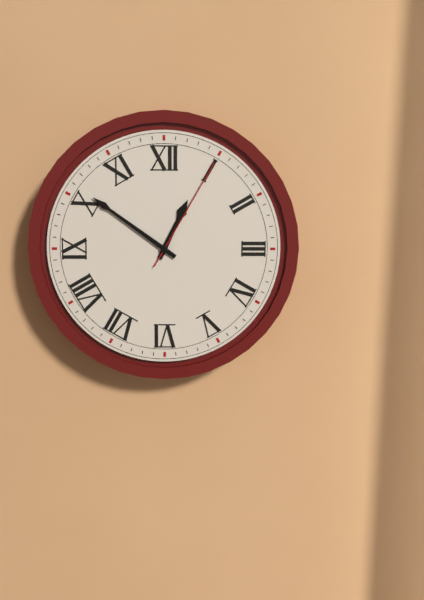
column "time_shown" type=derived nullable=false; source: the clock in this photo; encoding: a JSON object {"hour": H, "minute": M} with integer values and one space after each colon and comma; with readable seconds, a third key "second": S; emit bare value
{"hour": 12, "minute": 51, "second": 5}
